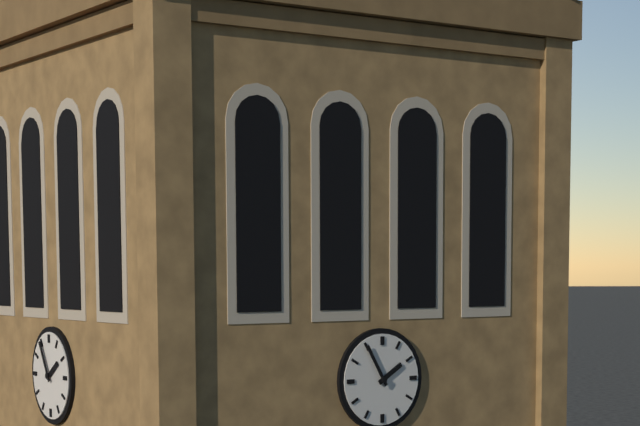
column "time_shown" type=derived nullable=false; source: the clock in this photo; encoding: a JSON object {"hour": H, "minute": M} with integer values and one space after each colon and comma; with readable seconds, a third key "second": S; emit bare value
{"hour": 1, "minute": 55}
